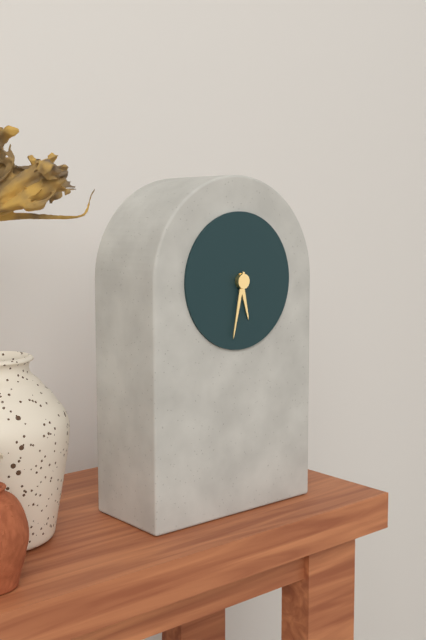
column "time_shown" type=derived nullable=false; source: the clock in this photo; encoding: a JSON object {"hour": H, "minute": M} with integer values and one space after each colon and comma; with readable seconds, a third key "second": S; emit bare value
{"hour": 5, "minute": 32}
